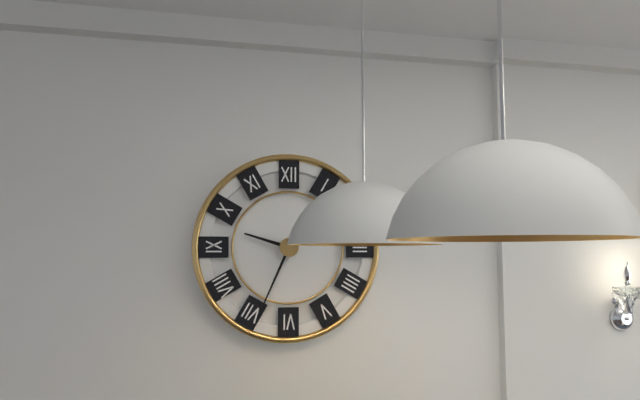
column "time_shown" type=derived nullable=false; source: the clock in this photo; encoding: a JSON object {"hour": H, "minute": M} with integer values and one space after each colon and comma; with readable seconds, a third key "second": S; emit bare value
{"hour": 9, "minute": 34}
